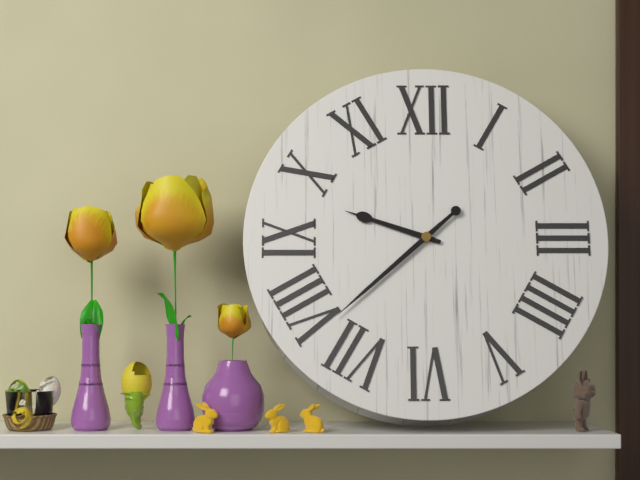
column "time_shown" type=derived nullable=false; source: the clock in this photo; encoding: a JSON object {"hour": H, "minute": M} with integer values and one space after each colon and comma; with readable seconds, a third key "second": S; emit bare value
{"hour": 9, "minute": 38}
